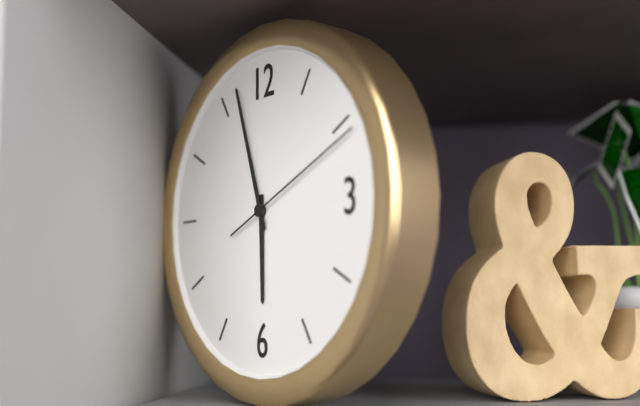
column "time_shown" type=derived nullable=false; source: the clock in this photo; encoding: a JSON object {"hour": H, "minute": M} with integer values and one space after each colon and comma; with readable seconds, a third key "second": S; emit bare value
{"hour": 5, "minute": 57, "second": 11}
